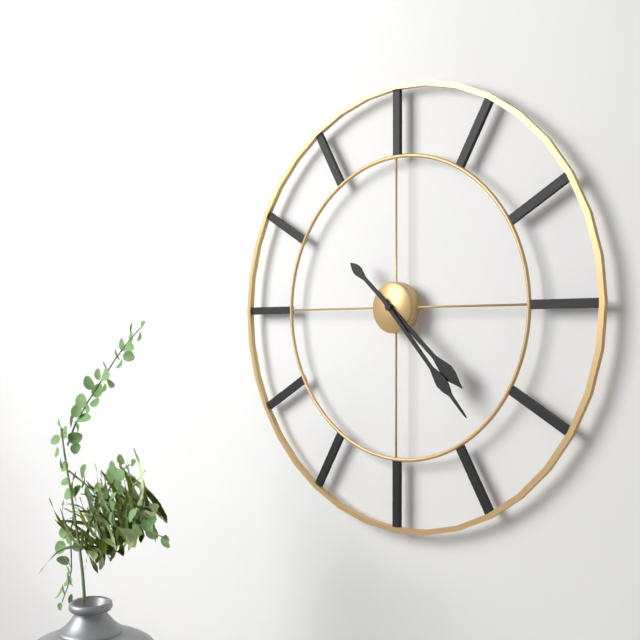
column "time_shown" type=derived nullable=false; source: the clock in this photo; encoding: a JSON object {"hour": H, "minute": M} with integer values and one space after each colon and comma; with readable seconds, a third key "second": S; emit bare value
{"hour": 4, "minute": 23}
